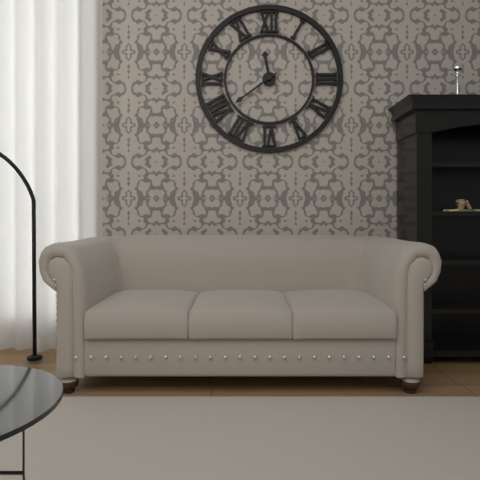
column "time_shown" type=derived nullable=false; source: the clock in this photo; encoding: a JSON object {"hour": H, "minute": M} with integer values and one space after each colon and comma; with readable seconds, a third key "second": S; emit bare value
{"hour": 11, "minute": 39}
